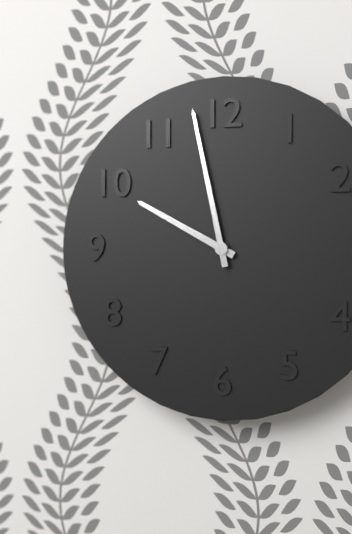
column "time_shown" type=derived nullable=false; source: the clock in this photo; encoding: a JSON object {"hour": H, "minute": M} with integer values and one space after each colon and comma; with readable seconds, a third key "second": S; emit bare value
{"hour": 9, "minute": 58}
